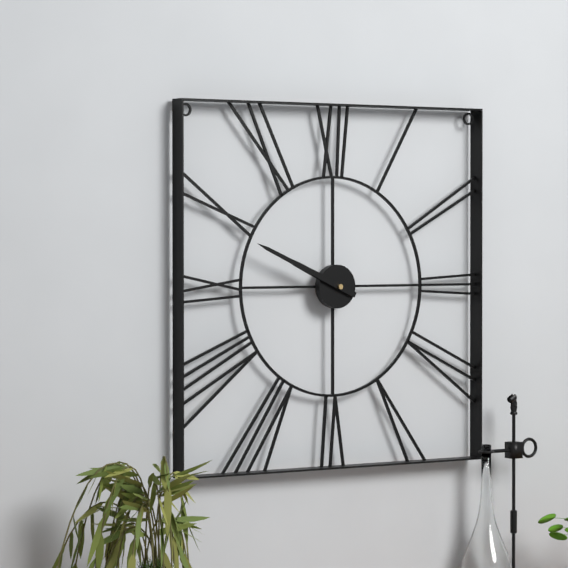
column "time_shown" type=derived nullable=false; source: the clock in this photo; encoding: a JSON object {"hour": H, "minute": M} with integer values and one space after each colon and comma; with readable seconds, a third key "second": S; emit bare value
{"hour": 9, "minute": 49}
